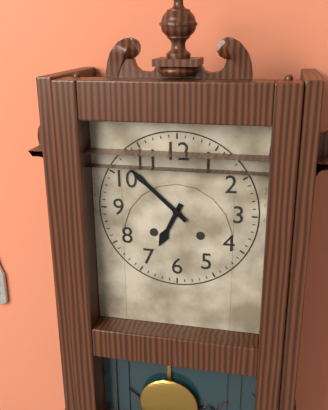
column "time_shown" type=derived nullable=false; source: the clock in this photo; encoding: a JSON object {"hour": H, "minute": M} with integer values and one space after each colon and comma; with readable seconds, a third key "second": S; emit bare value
{"hour": 6, "minute": 52}
